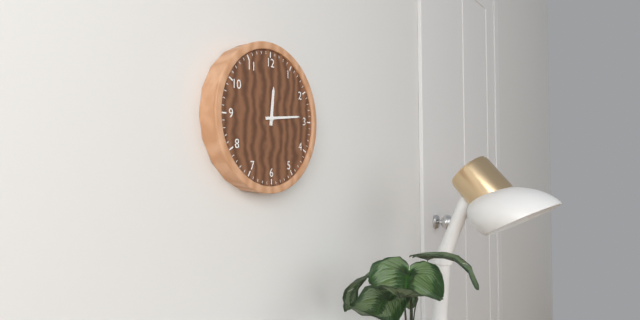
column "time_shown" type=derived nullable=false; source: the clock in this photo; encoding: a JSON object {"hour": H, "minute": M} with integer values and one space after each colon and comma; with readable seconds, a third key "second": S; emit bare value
{"hour": 12, "minute": 14}
